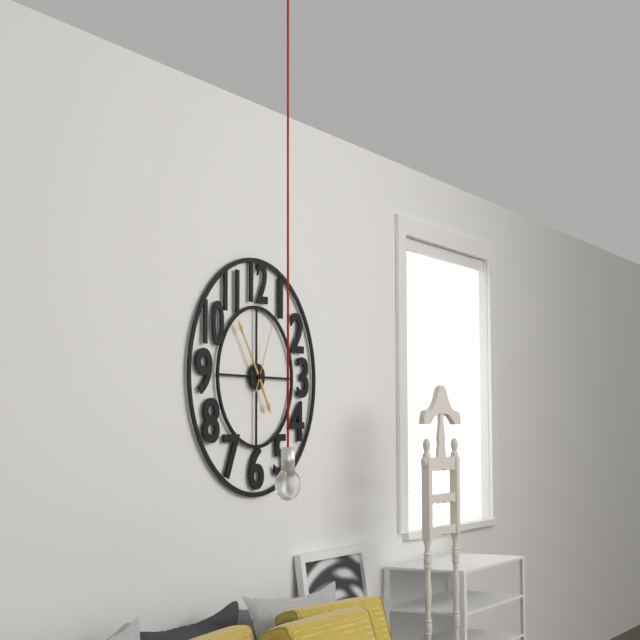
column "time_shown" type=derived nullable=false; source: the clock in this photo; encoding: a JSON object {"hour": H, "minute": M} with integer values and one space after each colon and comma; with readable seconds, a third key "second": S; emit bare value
{"hour": 4, "minute": 54, "second": 4}
